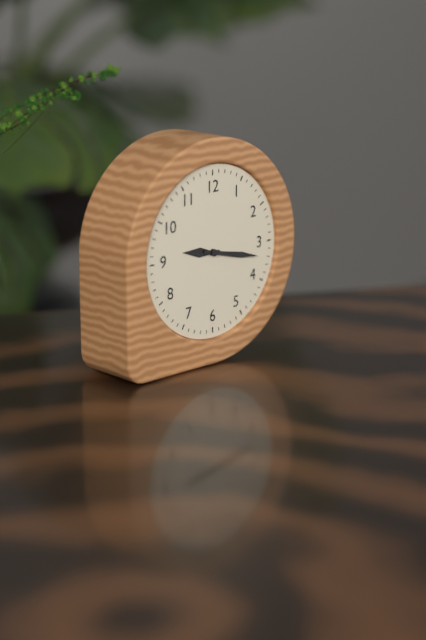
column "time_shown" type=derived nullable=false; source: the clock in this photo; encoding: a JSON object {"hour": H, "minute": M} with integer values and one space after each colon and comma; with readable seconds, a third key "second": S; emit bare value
{"hour": 9, "minute": 17}
